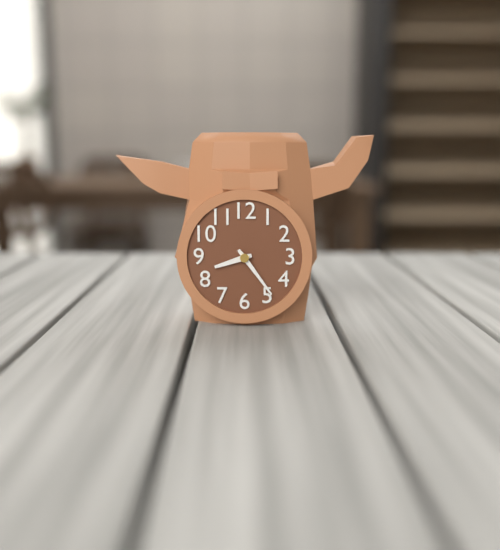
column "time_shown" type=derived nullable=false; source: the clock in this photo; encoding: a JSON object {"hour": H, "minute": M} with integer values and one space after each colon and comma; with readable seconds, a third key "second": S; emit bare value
{"hour": 8, "minute": 24}
